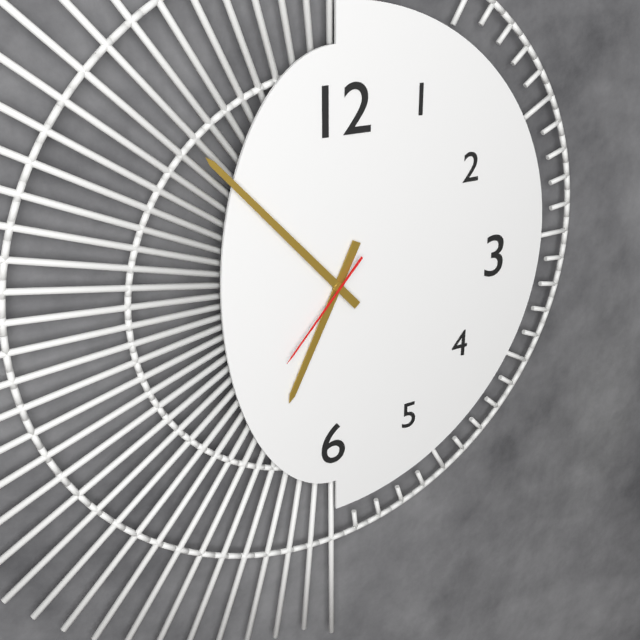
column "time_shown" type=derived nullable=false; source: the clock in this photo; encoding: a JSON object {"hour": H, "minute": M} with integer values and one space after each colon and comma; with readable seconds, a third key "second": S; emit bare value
{"hour": 6, "minute": 53, "second": 37}
